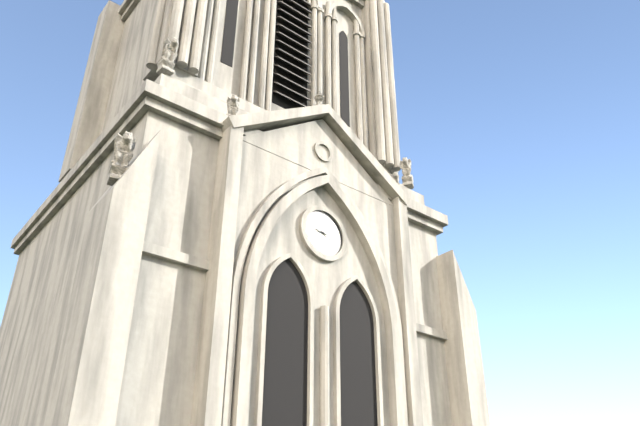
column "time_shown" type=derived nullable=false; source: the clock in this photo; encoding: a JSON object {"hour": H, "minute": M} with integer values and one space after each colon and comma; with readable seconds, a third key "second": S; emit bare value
{"hour": 9, "minute": 18}
